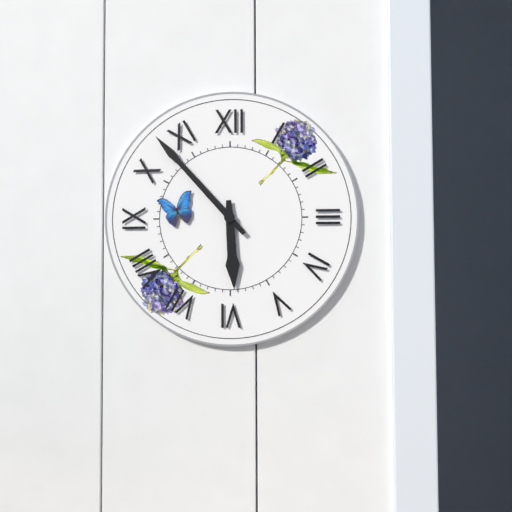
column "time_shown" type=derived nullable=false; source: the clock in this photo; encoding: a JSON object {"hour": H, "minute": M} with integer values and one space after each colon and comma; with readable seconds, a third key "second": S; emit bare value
{"hour": 5, "minute": 53}
